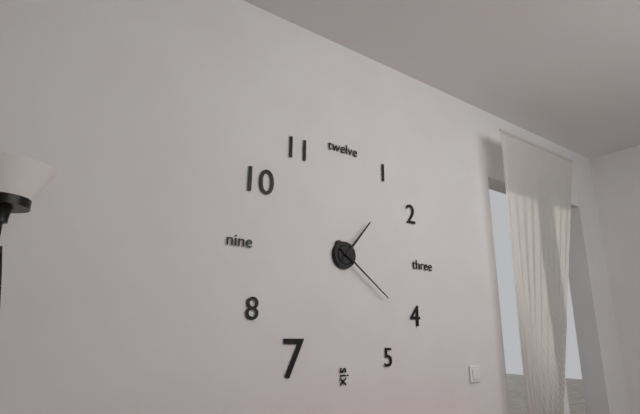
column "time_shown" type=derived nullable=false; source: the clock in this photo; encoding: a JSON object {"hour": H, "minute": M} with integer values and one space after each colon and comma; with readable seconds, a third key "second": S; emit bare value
{"hour": 1, "minute": 21}
